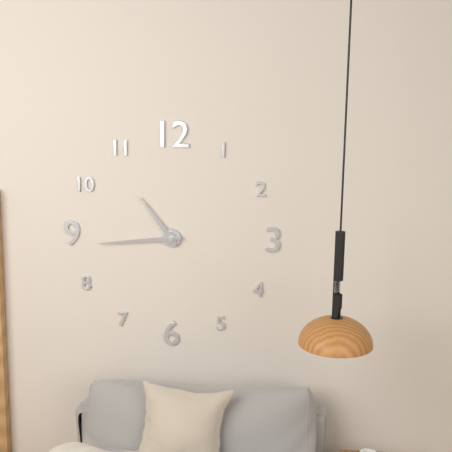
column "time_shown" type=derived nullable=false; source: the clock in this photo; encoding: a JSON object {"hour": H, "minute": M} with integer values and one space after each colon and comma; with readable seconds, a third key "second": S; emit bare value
{"hour": 10, "minute": 44}
